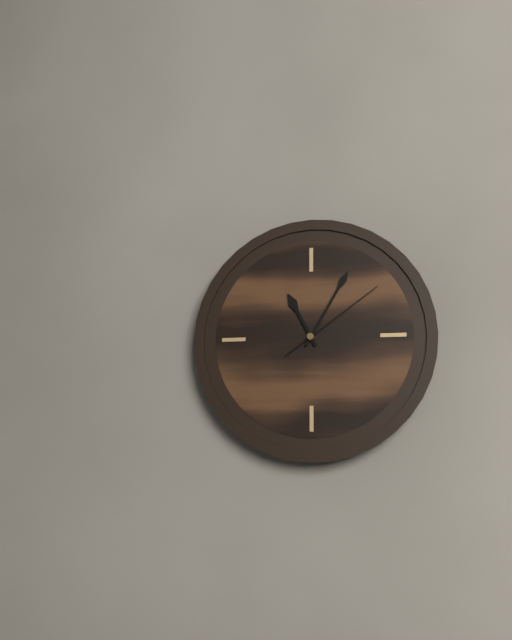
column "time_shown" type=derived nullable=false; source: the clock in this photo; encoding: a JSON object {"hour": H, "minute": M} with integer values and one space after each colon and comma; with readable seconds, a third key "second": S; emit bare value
{"hour": 11, "minute": 5, "second": 9}
